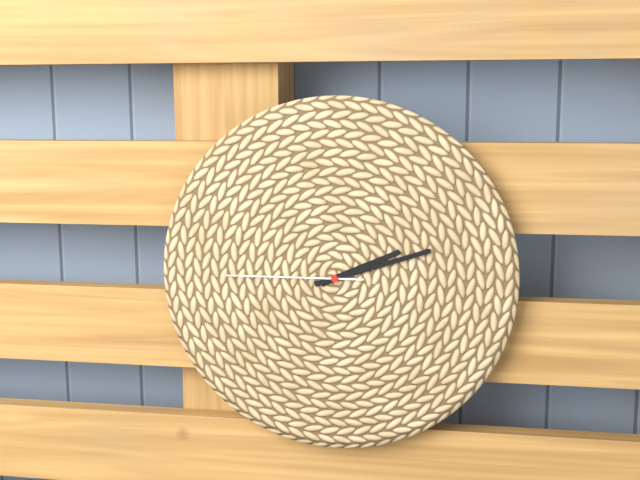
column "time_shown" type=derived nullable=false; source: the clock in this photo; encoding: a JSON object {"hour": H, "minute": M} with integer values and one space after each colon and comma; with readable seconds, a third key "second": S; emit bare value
{"hour": 2, "minute": 12, "second": 45}
